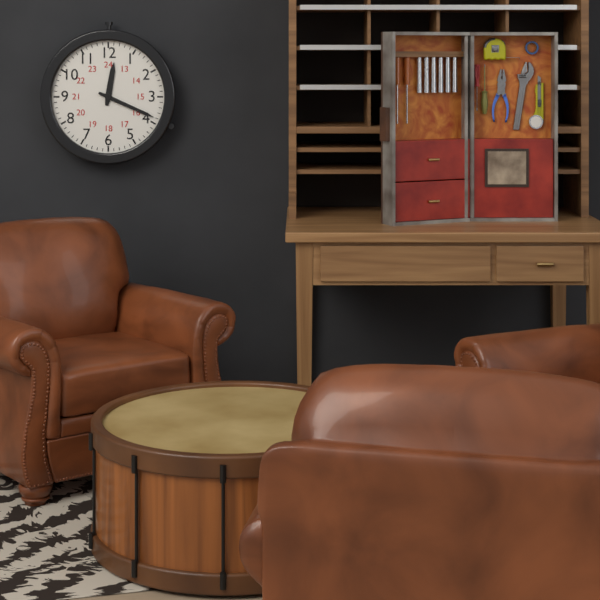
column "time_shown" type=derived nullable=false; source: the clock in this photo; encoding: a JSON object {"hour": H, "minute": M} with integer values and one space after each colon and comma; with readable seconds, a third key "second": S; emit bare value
{"hour": 12, "minute": 19}
